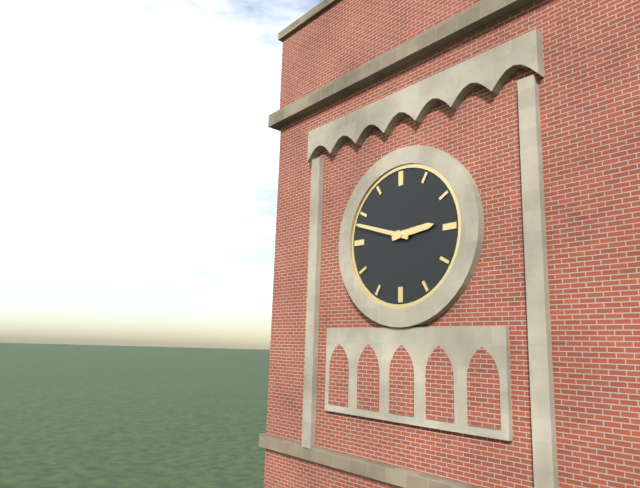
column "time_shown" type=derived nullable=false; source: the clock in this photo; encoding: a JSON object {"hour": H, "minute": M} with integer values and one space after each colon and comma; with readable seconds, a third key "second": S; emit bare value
{"hour": 2, "minute": 48}
